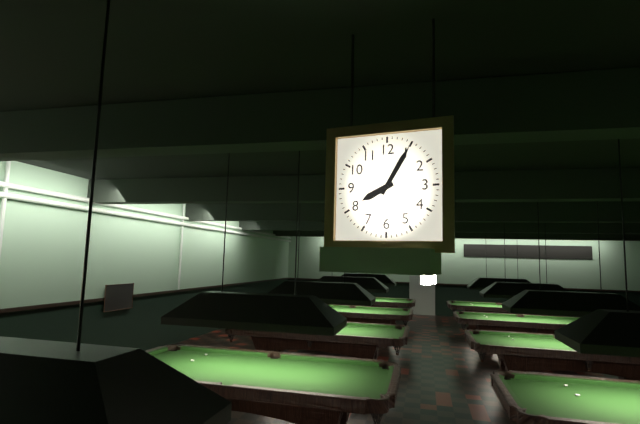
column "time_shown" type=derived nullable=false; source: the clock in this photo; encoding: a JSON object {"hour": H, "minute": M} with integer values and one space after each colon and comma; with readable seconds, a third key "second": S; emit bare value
{"hour": 8, "minute": 5}
